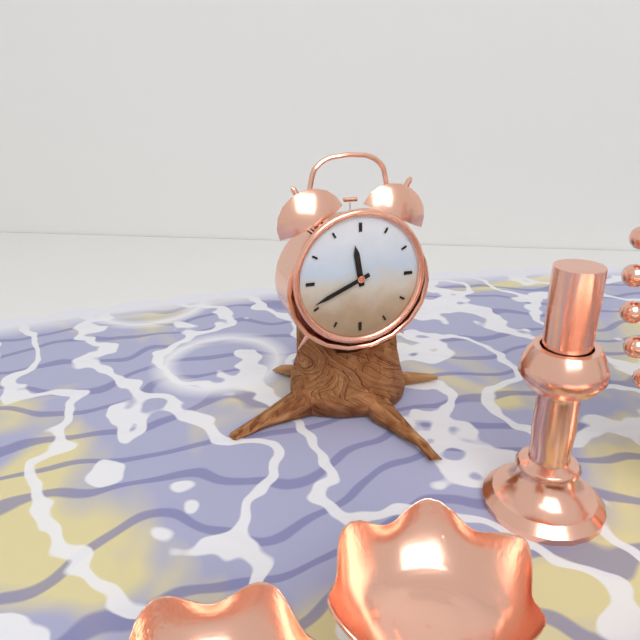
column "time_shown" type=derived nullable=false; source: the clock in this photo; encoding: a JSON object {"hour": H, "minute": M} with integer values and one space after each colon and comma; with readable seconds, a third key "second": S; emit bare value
{"hour": 11, "minute": 41}
